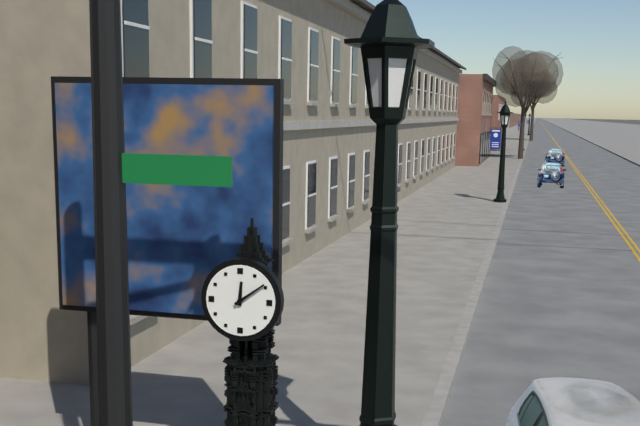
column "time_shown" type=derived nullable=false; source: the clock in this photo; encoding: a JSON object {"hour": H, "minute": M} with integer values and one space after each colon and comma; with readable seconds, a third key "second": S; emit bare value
{"hour": 12, "minute": 9}
